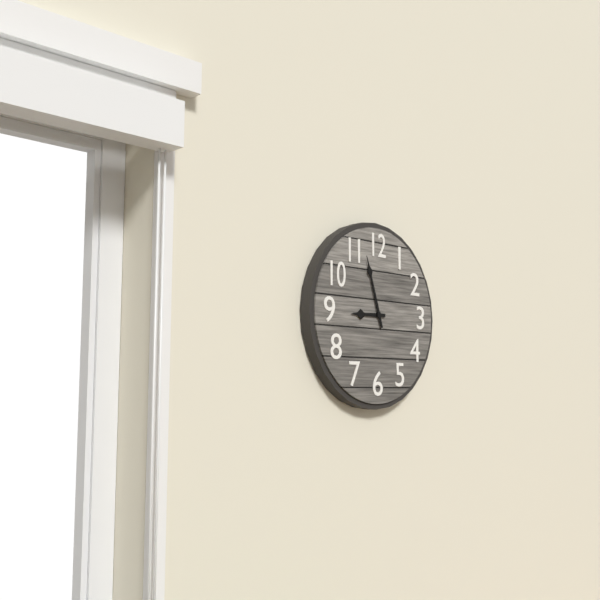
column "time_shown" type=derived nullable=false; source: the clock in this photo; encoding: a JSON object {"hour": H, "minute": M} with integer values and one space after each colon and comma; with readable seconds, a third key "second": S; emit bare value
{"hour": 8, "minute": 57}
